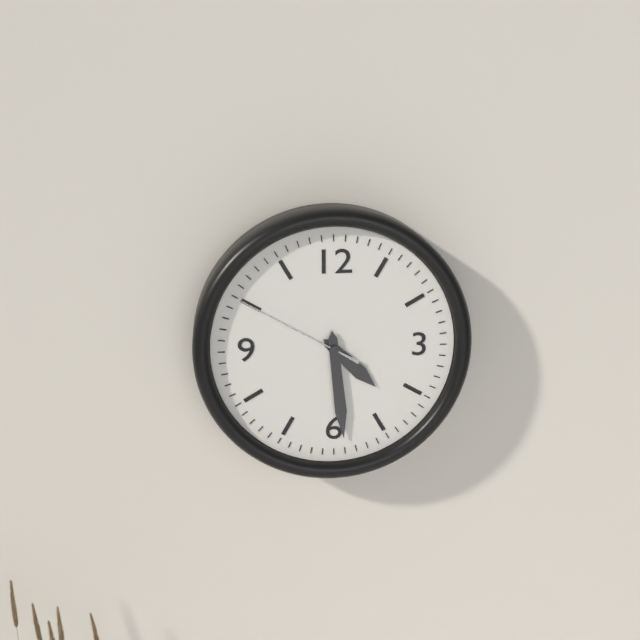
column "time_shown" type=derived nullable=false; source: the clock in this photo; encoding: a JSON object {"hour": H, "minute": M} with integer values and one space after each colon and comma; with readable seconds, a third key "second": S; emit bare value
{"hour": 4, "minute": 29, "second": 50}
